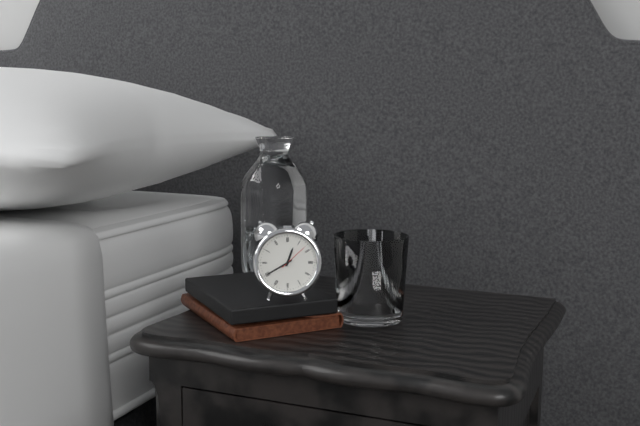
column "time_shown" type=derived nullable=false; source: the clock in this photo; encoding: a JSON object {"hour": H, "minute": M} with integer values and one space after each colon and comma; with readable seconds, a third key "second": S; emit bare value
{"hour": 12, "minute": 40}
